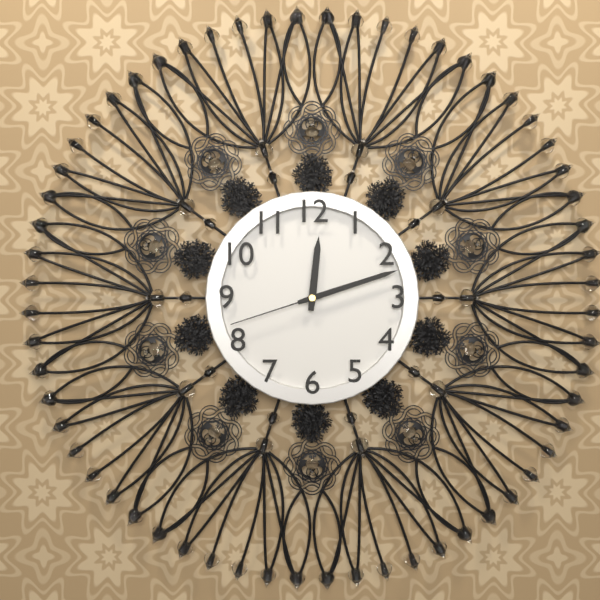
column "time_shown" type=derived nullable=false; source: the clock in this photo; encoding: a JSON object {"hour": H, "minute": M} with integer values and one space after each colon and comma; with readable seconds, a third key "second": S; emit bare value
{"hour": 12, "minute": 12, "second": 42}
